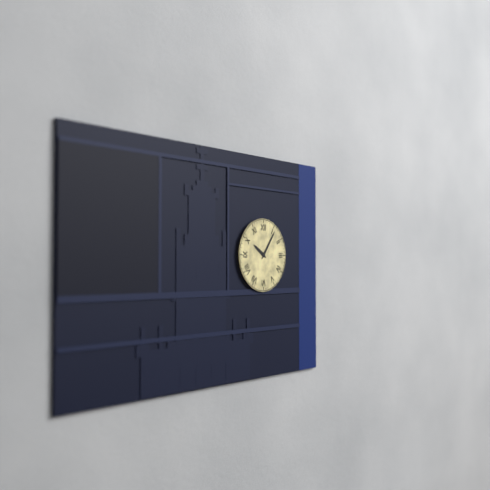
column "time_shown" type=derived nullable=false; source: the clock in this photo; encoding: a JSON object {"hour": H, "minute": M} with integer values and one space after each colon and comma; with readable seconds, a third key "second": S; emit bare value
{"hour": 10, "minute": 6}
